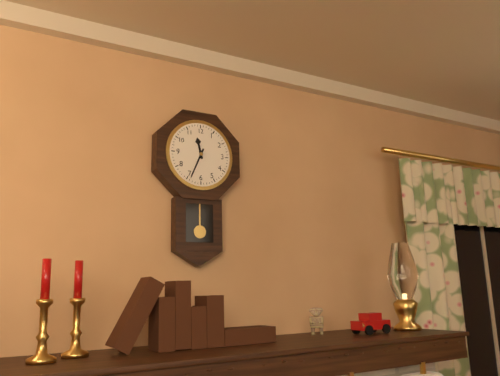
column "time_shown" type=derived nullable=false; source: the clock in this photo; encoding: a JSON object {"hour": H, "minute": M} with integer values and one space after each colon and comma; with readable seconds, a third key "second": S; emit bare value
{"hour": 11, "minute": 34}
